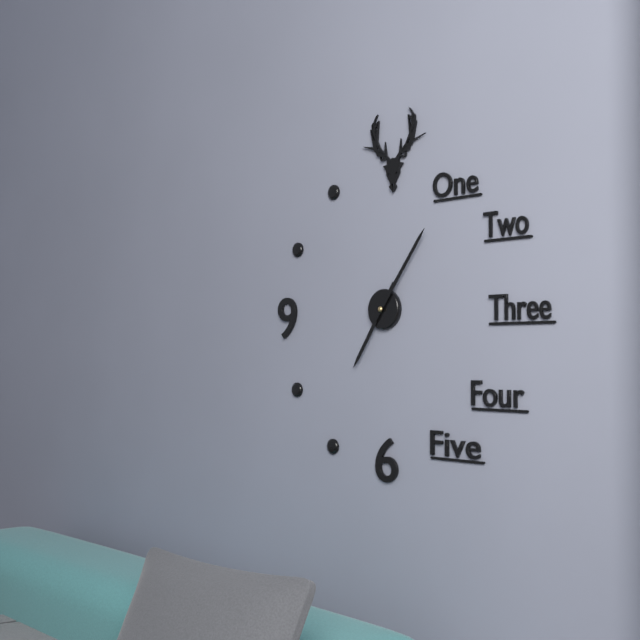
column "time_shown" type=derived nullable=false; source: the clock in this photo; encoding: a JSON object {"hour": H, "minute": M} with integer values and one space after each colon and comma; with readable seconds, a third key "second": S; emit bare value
{"hour": 7, "minute": 6}
